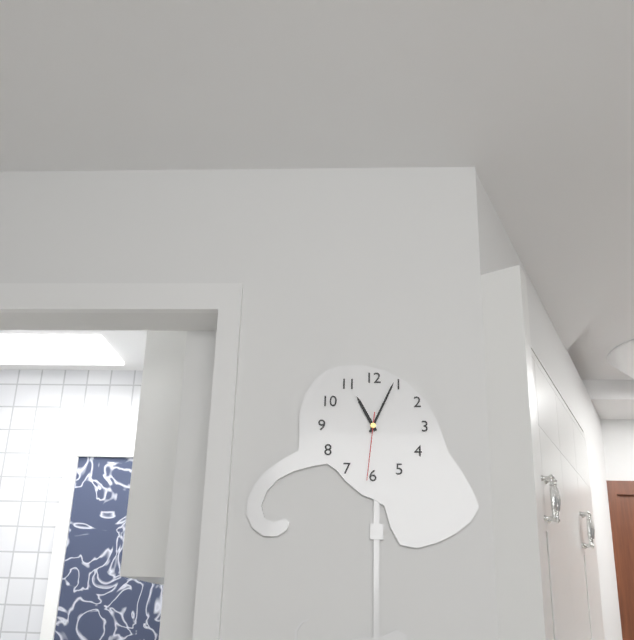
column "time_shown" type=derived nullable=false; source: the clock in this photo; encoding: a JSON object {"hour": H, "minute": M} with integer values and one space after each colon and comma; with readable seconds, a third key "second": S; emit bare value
{"hour": 11, "minute": 4, "second": 31}
